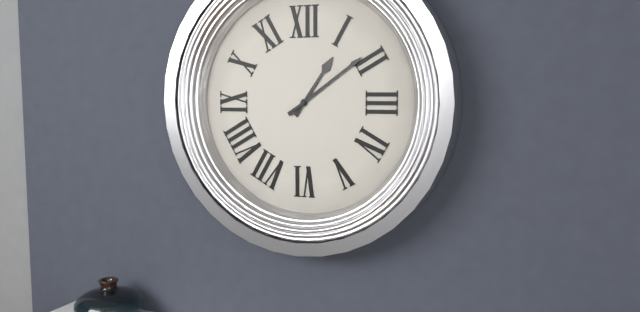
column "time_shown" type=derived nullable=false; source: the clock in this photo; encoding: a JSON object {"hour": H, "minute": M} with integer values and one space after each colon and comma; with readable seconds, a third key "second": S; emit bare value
{"hour": 1, "minute": 9}
